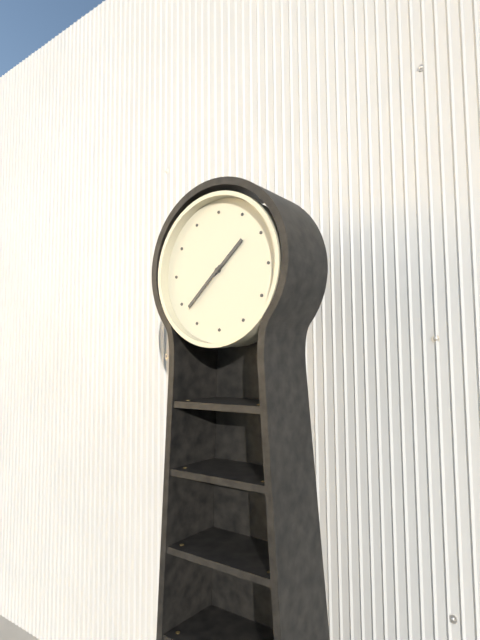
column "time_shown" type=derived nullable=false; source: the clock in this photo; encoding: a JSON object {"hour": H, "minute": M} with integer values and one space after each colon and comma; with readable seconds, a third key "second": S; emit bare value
{"hour": 1, "minute": 38}
